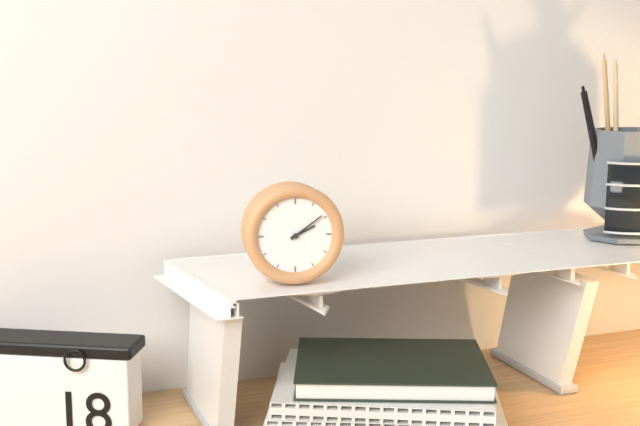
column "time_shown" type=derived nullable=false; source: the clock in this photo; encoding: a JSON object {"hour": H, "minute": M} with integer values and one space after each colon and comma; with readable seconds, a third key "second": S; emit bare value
{"hour": 2, "minute": 9}
